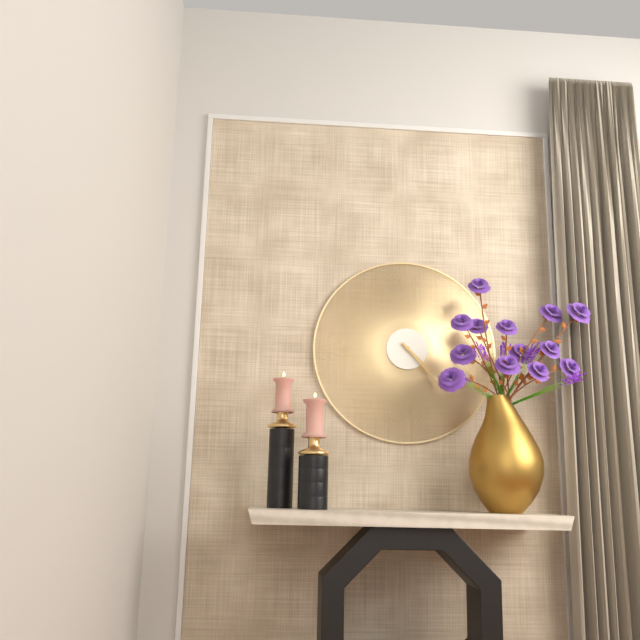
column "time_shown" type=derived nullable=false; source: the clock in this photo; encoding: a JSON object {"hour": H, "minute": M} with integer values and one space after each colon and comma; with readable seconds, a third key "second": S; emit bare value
{"hour": 4, "minute": 23}
